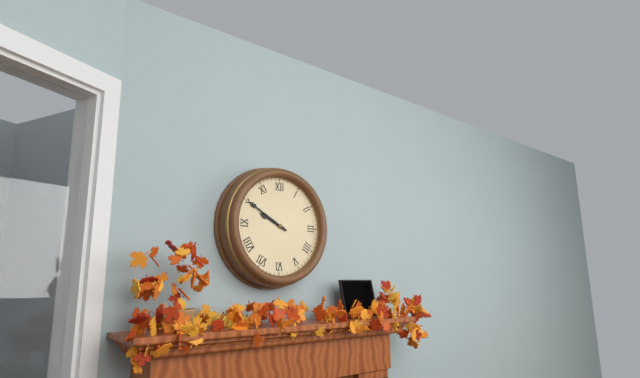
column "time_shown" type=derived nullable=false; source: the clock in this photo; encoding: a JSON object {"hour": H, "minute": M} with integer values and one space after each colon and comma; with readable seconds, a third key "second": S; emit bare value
{"hour": 9, "minute": 50}
